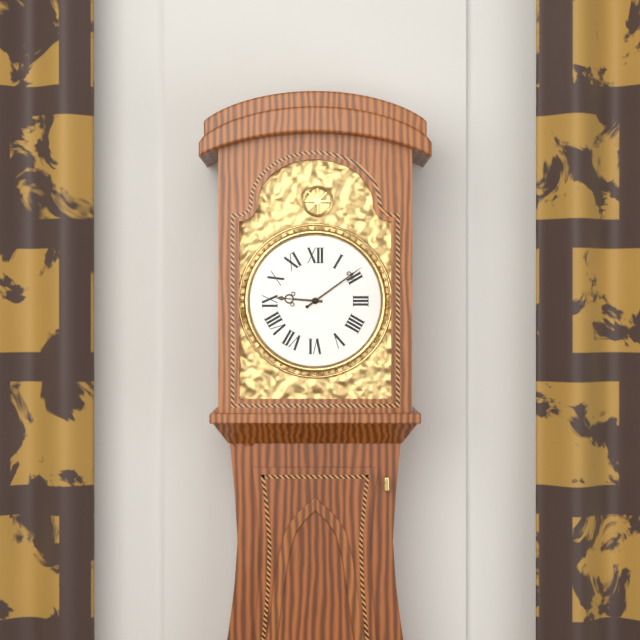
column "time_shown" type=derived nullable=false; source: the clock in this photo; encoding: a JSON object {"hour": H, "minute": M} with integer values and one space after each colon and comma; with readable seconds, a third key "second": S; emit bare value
{"hour": 9, "minute": 9}
